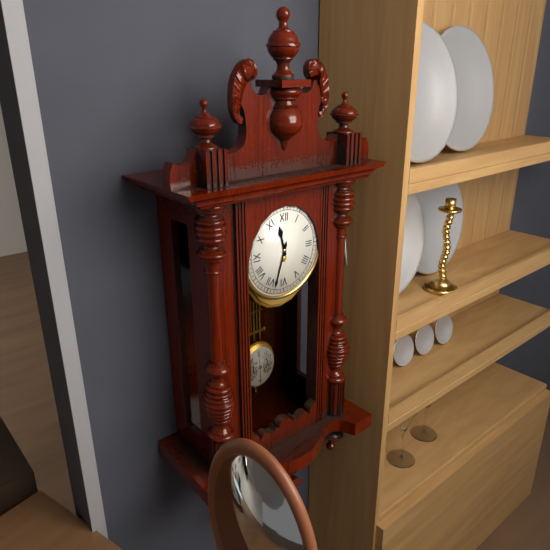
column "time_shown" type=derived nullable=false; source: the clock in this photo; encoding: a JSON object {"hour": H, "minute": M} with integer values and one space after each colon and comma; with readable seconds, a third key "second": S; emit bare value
{"hour": 11, "minute": 33}
